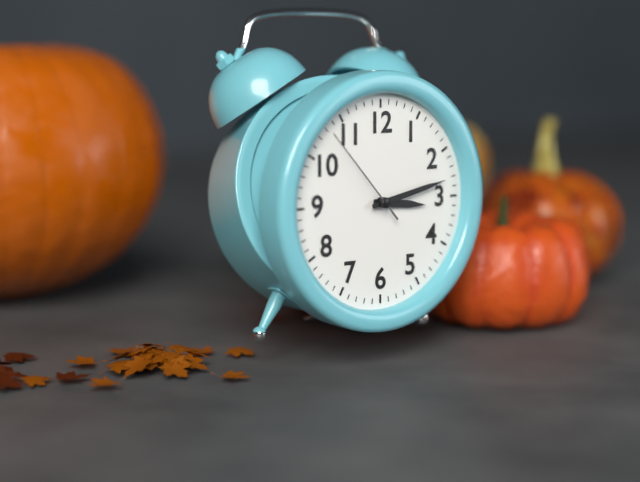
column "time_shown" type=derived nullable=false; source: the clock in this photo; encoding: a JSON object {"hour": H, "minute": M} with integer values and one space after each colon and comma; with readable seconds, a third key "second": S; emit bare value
{"hour": 3, "minute": 13, "second": 53}
